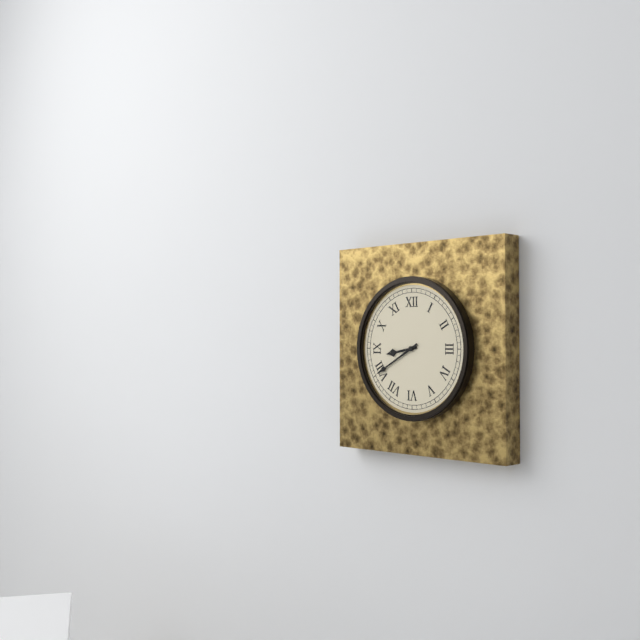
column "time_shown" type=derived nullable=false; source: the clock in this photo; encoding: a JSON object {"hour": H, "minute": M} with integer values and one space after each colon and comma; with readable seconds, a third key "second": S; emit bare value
{"hour": 8, "minute": 40}
